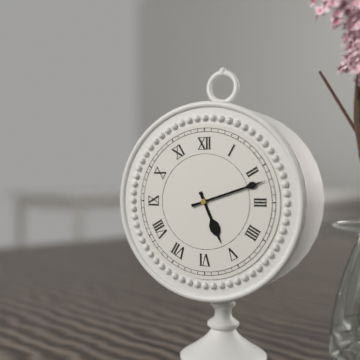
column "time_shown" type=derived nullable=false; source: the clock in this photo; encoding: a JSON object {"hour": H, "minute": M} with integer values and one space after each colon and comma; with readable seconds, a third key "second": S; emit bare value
{"hour": 5, "minute": 12}
